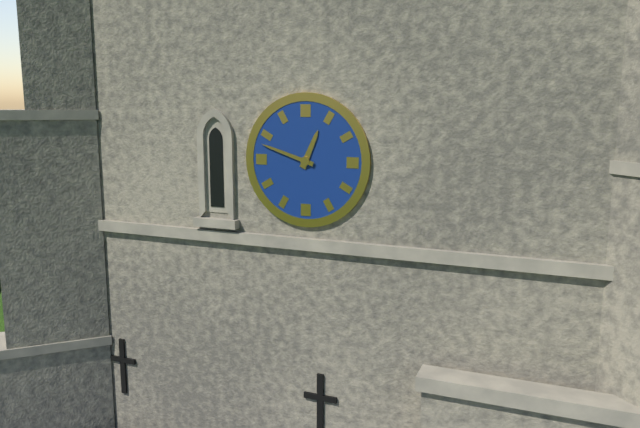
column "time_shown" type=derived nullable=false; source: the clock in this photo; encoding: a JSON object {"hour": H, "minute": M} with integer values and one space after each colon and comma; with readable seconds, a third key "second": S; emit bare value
{"hour": 12, "minute": 48}
